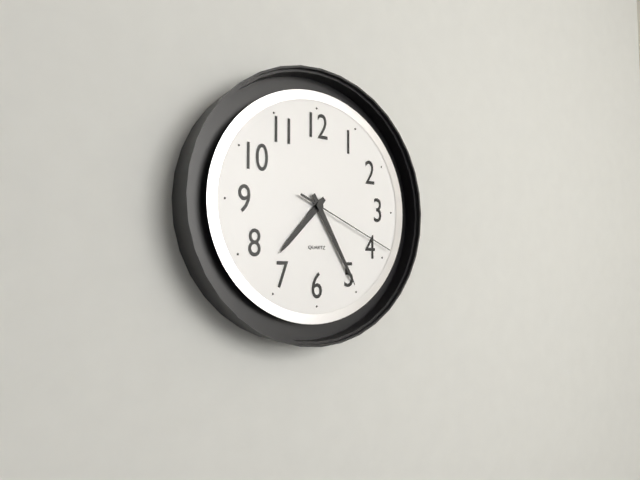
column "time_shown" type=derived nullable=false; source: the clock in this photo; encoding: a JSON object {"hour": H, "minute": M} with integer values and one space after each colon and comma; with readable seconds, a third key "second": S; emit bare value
{"hour": 7, "minute": 25, "second": 19}
